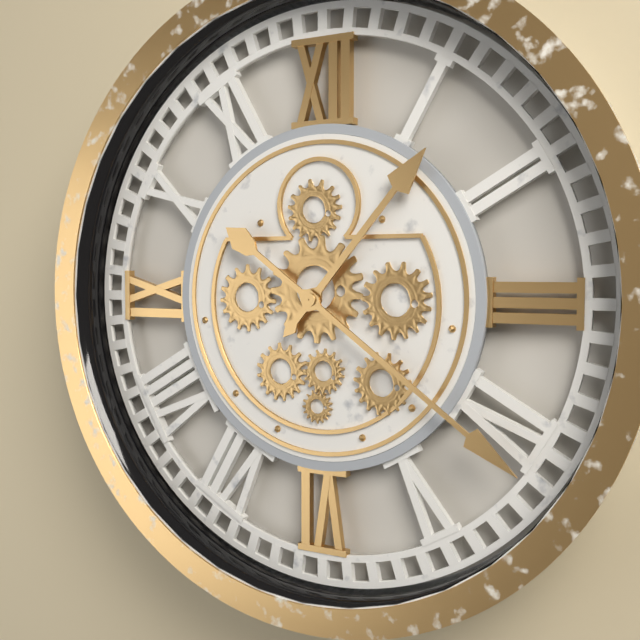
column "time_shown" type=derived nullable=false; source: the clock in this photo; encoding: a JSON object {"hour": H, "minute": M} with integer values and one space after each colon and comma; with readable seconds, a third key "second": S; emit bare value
{"hour": 1, "minute": 21}
